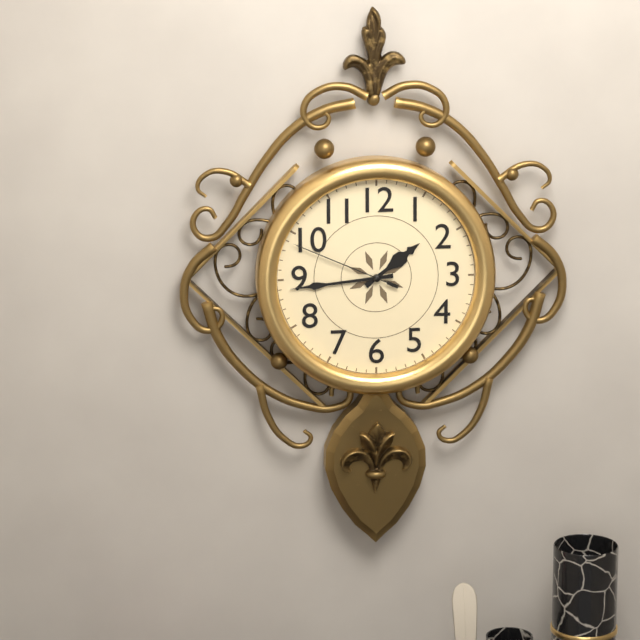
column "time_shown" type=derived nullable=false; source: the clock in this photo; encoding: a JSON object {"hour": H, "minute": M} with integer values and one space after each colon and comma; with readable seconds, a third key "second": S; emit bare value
{"hour": 1, "minute": 44, "second": 49}
